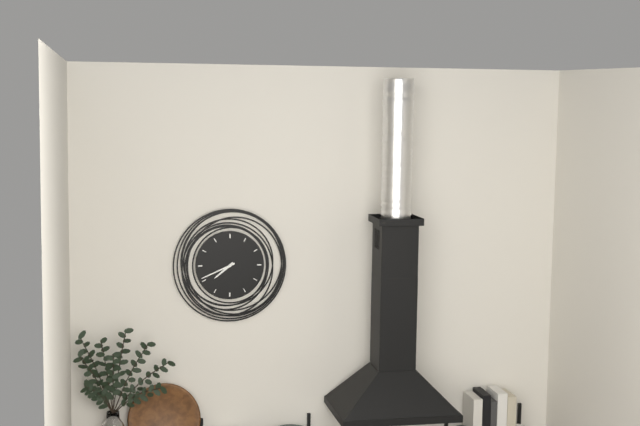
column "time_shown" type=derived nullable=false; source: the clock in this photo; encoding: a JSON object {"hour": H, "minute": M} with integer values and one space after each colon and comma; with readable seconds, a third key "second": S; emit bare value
{"hour": 7, "minute": 41}
